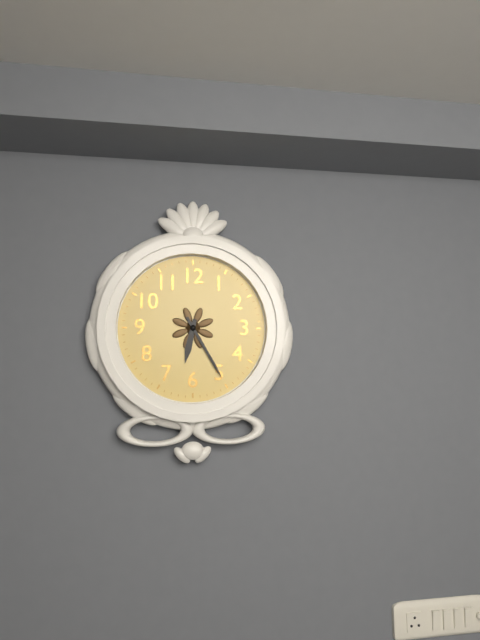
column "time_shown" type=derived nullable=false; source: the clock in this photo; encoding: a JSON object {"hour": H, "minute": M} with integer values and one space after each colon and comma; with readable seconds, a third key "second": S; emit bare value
{"hour": 6, "minute": 25}
